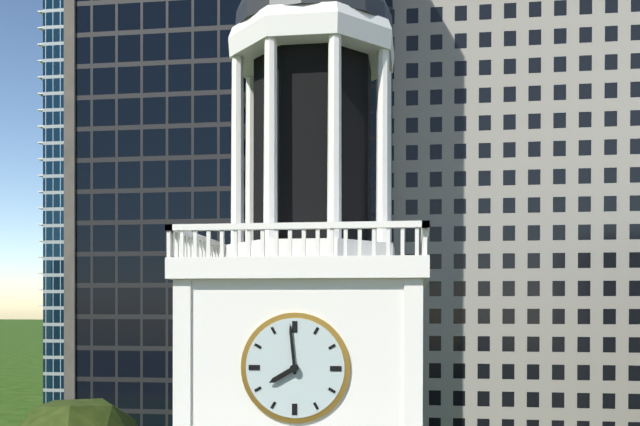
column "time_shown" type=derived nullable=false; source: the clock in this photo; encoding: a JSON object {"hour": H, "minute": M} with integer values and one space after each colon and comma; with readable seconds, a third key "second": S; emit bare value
{"hour": 7, "minute": 59}
